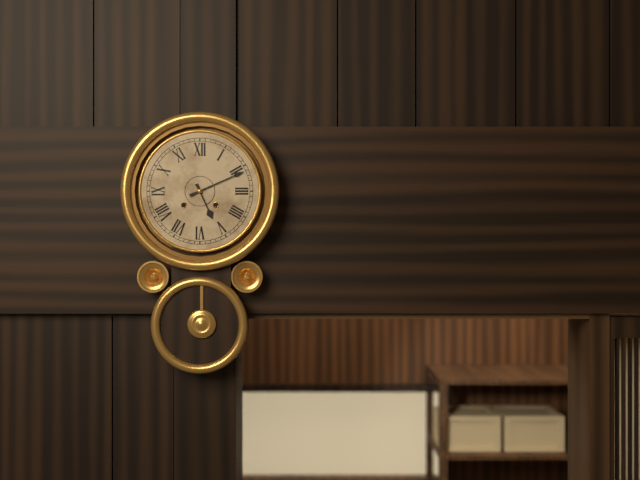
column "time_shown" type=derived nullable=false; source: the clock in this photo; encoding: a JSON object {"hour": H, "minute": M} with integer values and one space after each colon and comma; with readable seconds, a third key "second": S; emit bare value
{"hour": 5, "minute": 11}
